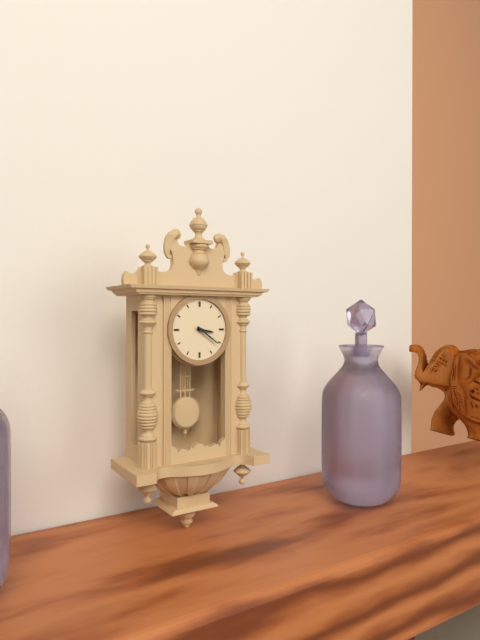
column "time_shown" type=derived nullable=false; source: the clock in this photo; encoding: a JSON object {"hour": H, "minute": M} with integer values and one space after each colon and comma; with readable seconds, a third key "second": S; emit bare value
{"hour": 3, "minute": 21}
